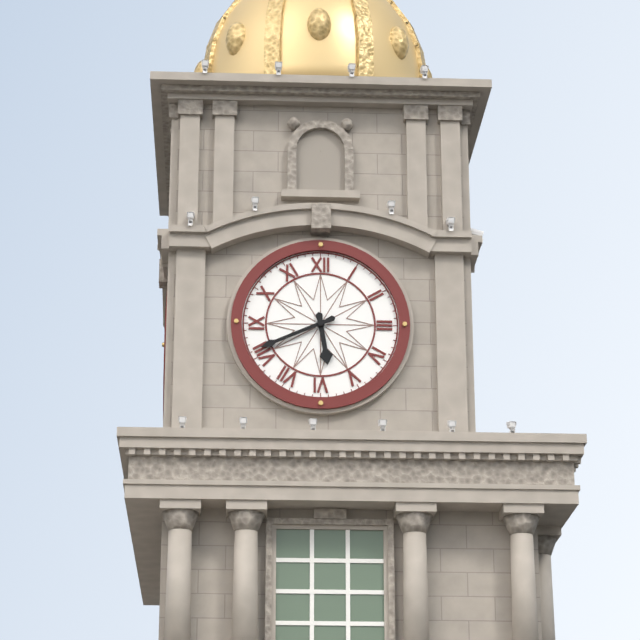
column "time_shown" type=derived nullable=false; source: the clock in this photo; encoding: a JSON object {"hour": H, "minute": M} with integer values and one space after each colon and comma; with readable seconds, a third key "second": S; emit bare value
{"hour": 5, "minute": 41}
